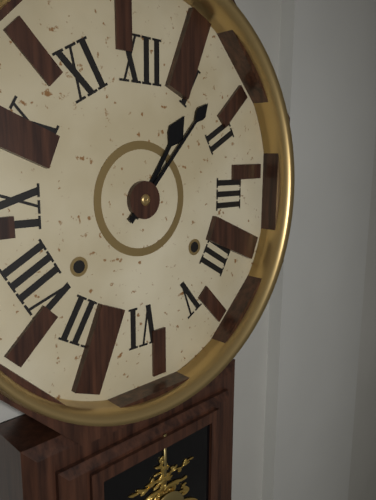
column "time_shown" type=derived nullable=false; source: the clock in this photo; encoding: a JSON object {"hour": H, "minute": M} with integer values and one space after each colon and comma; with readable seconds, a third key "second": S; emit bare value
{"hour": 1, "minute": 7}
